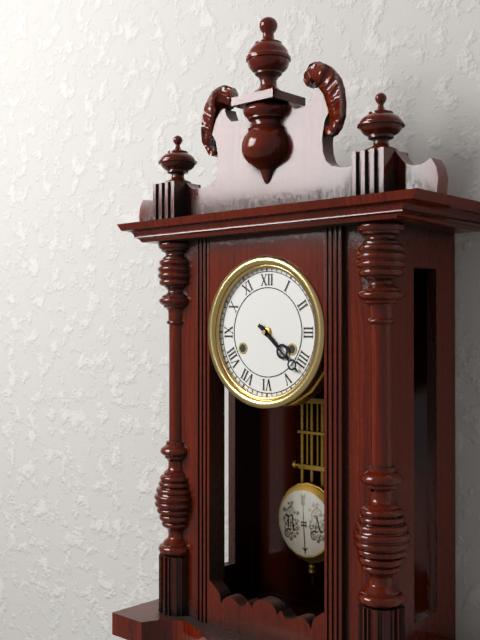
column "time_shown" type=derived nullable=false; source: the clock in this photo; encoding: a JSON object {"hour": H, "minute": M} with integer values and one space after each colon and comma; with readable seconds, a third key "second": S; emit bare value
{"hour": 4, "minute": 22}
